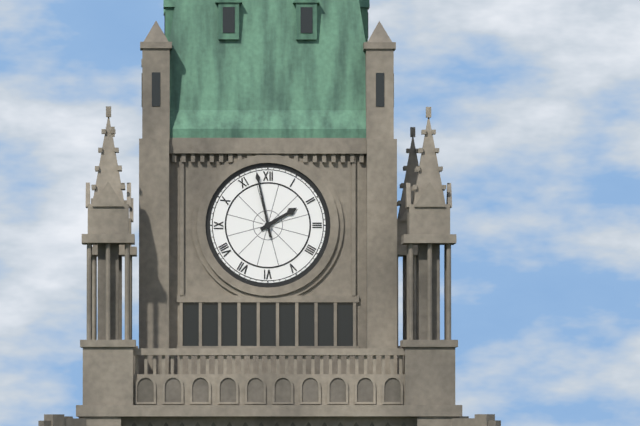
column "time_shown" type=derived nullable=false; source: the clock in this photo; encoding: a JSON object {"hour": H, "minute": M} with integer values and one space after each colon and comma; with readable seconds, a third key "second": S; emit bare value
{"hour": 1, "minute": 58}
